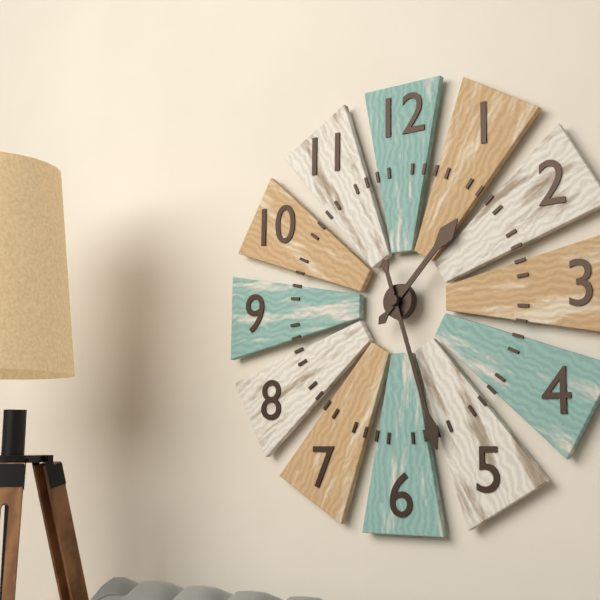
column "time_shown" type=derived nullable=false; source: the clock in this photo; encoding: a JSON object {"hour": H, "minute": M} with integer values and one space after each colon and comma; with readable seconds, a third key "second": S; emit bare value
{"hour": 1, "minute": 27}
